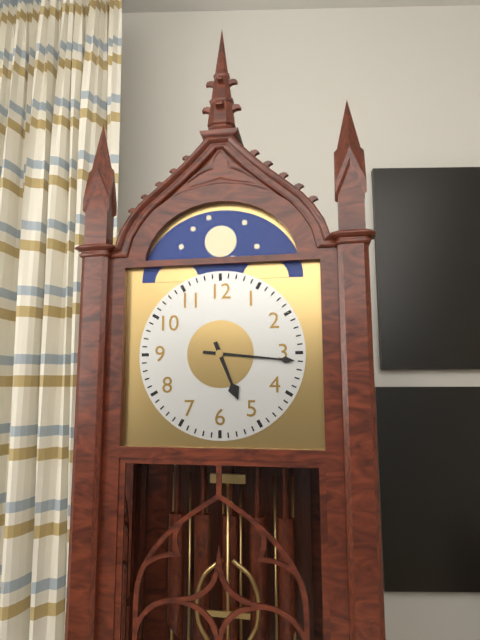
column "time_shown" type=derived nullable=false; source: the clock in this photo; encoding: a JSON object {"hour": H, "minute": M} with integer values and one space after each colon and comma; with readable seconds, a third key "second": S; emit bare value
{"hour": 5, "minute": 16}
